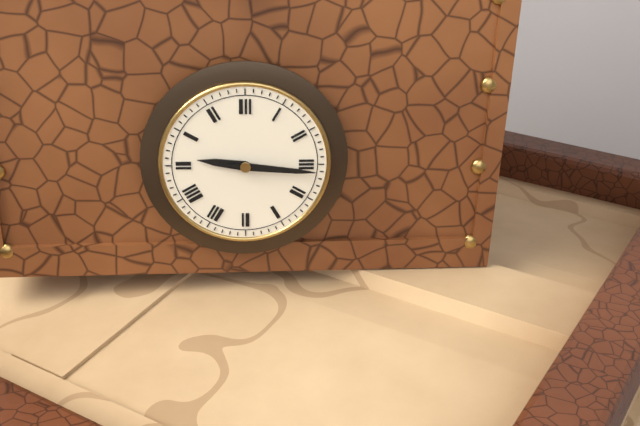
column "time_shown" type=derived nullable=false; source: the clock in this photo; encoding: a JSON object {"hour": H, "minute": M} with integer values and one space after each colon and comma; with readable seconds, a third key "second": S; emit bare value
{"hour": 9, "minute": 16}
